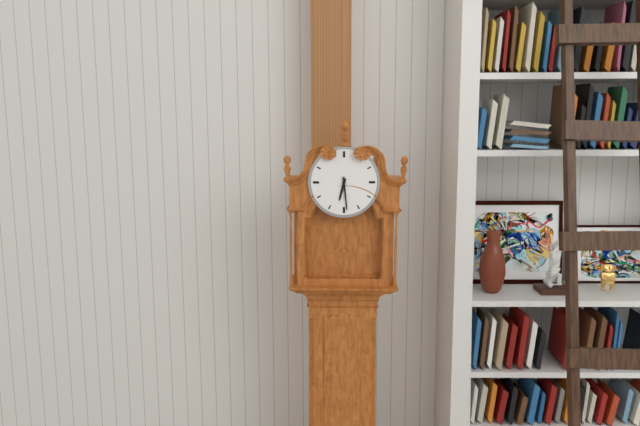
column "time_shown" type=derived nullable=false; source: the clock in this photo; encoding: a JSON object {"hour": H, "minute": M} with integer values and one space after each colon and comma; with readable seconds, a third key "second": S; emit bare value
{"hour": 6, "minute": 29}
